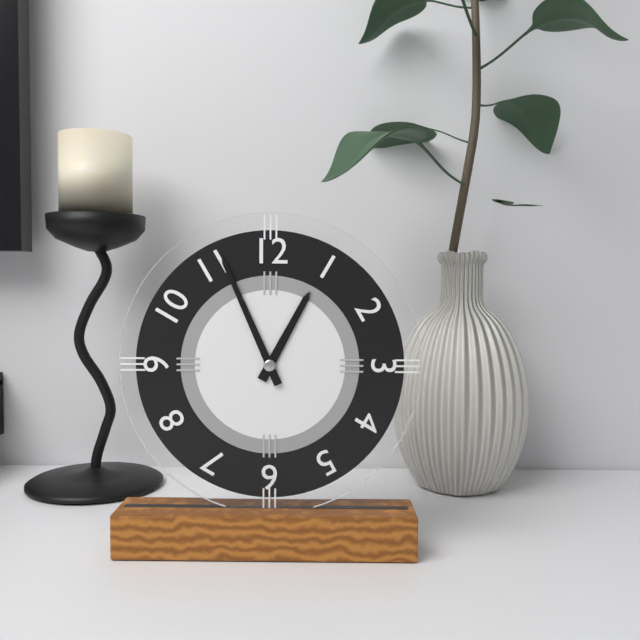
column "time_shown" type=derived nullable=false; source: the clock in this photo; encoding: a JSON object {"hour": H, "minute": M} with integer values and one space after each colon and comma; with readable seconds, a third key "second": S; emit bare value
{"hour": 12, "minute": 56}
